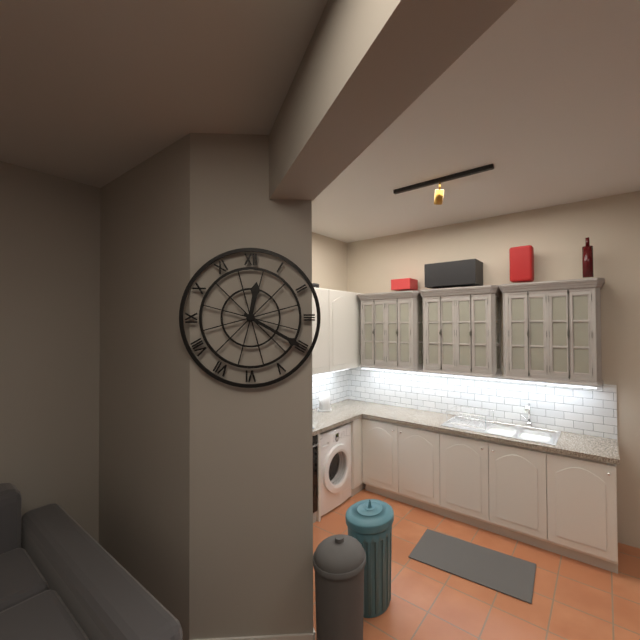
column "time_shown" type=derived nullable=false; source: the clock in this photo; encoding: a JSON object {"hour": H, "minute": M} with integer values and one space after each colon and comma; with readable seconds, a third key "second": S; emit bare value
{"hour": 12, "minute": 20}
